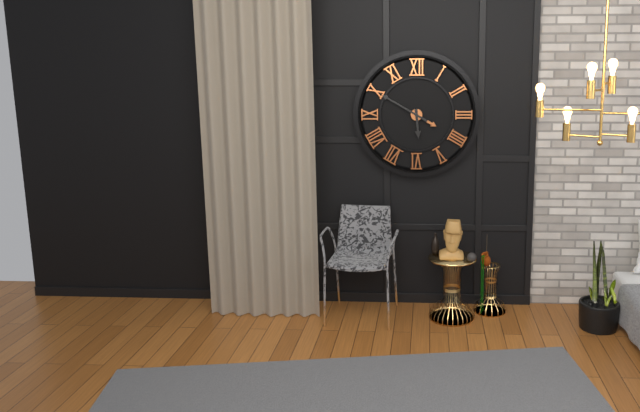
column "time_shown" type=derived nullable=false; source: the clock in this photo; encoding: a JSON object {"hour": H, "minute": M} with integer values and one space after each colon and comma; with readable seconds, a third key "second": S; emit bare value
{"hour": 5, "minute": 50}
